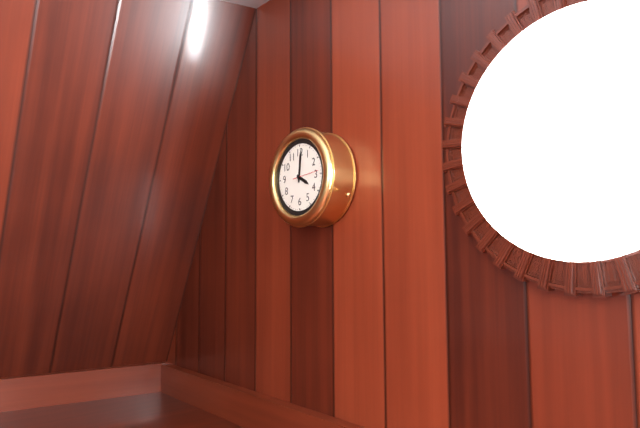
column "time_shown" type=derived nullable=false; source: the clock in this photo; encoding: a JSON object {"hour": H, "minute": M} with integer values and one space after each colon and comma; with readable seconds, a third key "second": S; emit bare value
{"hour": 4, "minute": 1}
